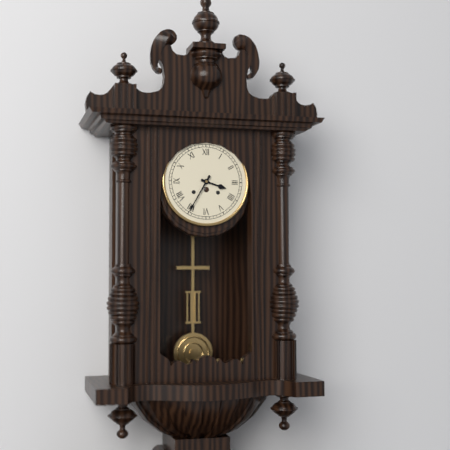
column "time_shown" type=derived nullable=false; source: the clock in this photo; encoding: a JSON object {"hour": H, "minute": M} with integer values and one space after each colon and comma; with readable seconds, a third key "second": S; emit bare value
{"hour": 3, "minute": 35}
